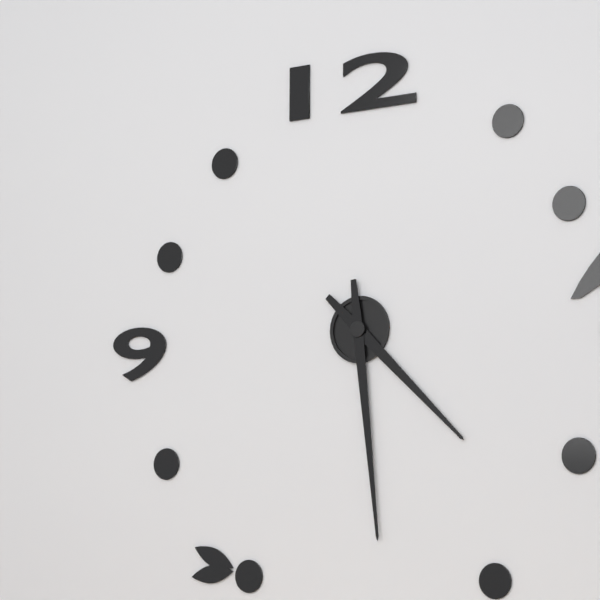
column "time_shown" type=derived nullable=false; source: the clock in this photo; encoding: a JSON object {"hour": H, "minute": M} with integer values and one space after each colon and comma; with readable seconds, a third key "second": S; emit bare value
{"hour": 4, "minute": 29}
